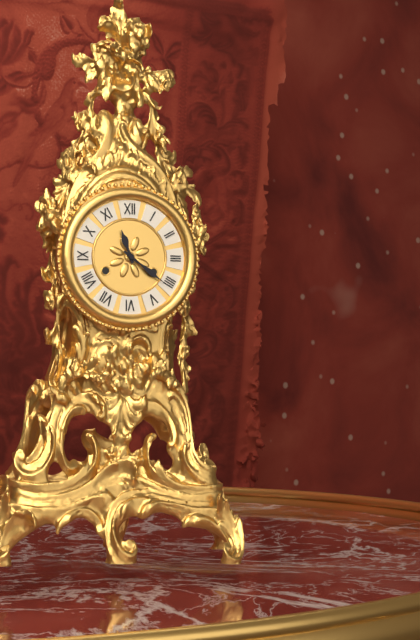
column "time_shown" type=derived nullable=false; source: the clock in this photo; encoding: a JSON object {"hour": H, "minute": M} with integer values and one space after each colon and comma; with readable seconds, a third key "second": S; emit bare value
{"hour": 11, "minute": 21}
